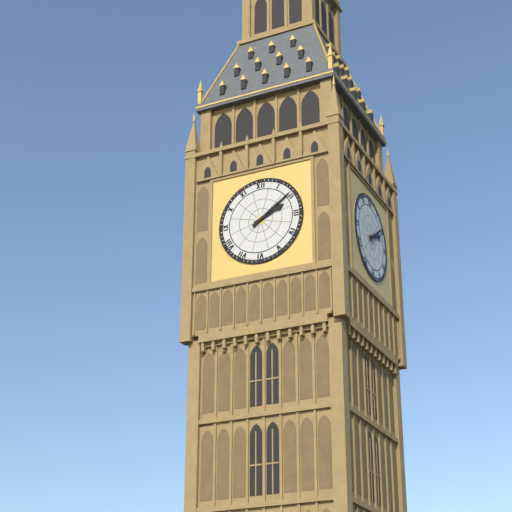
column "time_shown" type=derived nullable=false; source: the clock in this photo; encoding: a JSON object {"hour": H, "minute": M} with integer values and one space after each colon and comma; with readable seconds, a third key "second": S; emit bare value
{"hour": 2, "minute": 9}
